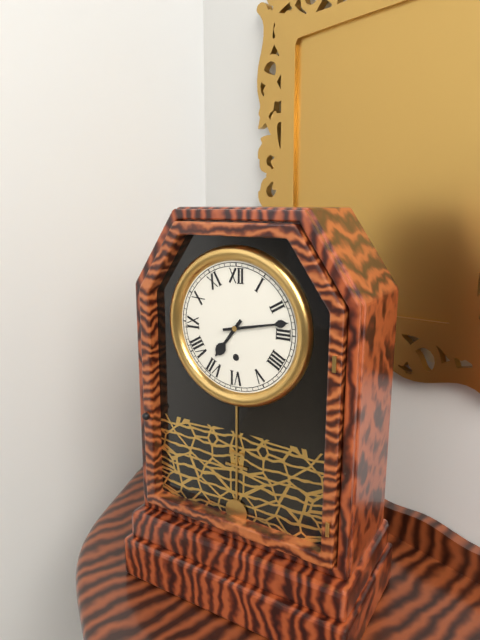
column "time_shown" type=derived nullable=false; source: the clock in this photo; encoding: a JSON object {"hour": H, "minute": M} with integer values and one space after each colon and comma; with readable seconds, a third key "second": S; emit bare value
{"hour": 7, "minute": 13}
